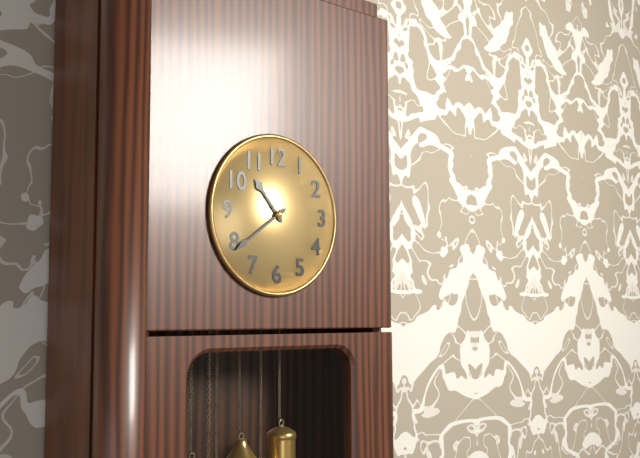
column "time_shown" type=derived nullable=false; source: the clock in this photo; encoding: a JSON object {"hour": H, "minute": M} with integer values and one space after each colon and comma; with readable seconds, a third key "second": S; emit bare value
{"hour": 10, "minute": 39}
